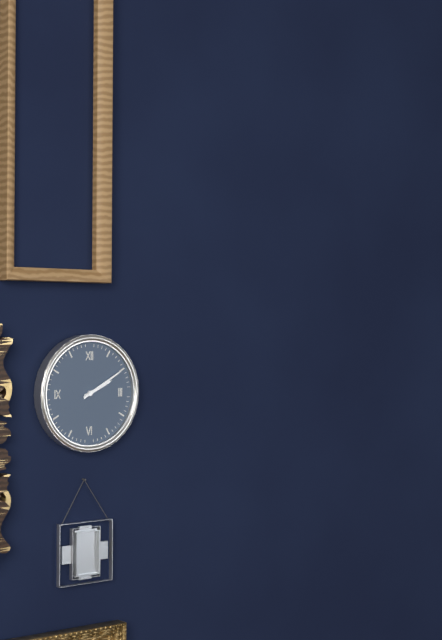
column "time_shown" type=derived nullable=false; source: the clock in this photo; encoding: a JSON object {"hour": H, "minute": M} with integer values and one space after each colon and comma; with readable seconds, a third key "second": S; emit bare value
{"hour": 2, "minute": 10}
